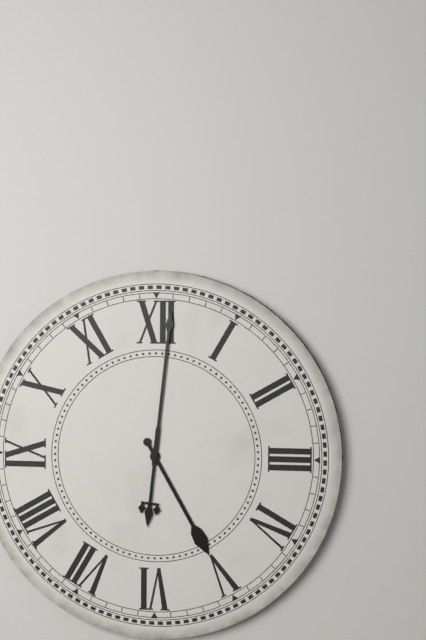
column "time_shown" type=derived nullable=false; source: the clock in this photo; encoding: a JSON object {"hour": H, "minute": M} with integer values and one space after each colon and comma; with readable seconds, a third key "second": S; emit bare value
{"hour": 5, "minute": 1}
